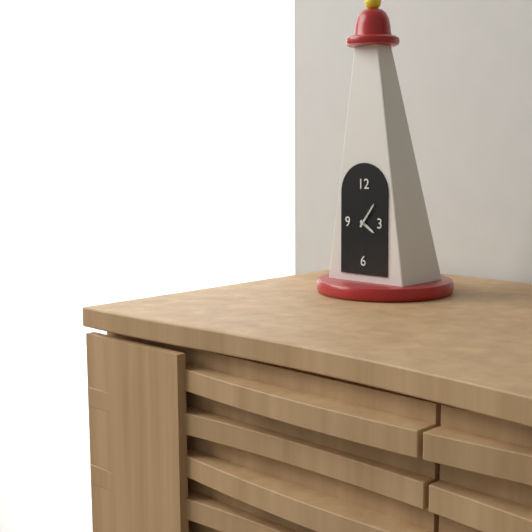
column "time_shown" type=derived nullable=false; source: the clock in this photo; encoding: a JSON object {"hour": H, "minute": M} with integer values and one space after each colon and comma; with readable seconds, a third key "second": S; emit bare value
{"hour": 4, "minute": 6}
